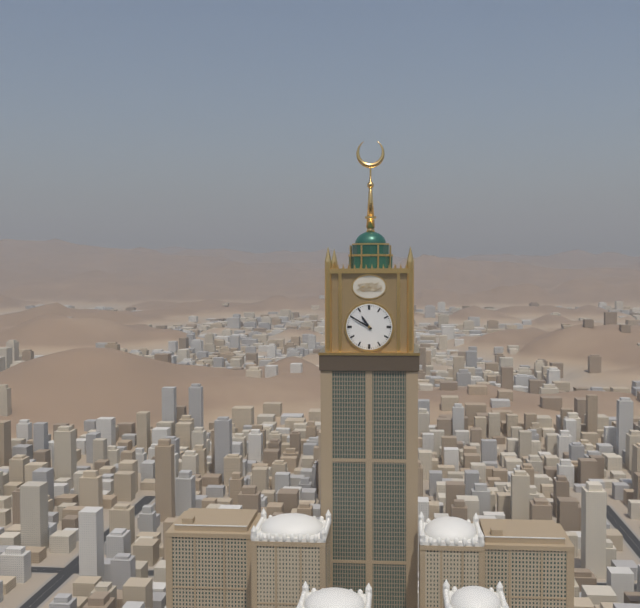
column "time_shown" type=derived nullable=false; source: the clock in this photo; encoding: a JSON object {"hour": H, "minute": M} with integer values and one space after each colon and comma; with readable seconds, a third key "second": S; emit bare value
{"hour": 10, "minute": 50}
